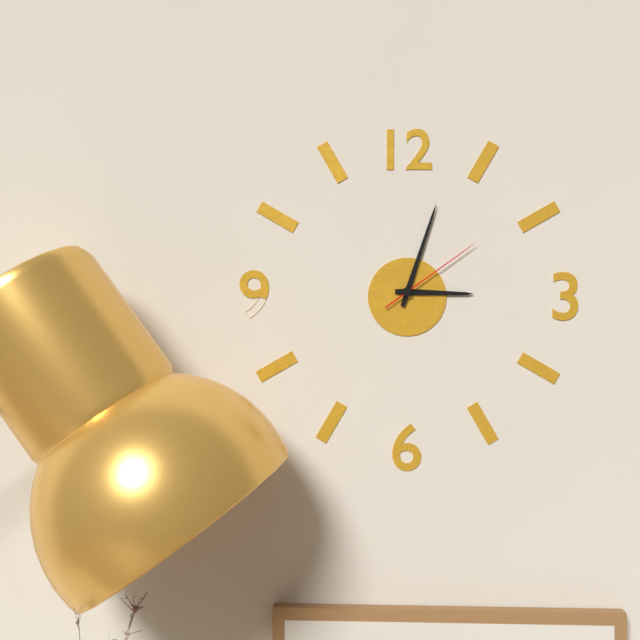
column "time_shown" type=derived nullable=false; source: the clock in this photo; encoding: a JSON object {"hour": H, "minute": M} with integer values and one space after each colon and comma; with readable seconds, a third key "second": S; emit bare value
{"hour": 3, "minute": 3, "second": 9}
